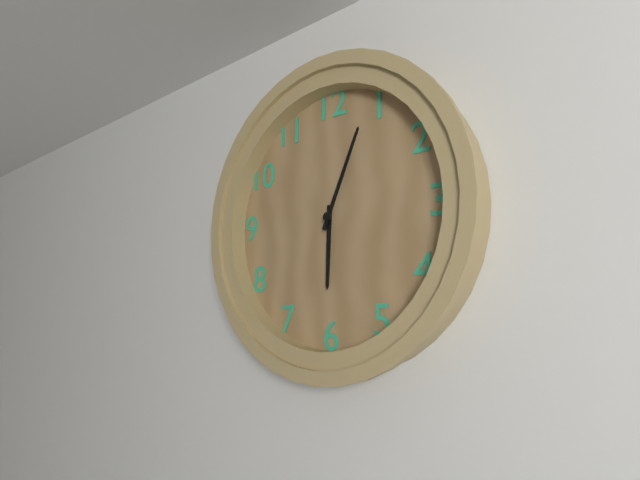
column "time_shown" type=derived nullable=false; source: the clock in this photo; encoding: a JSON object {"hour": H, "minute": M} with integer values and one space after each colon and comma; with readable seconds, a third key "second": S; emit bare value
{"hour": 6, "minute": 4}
